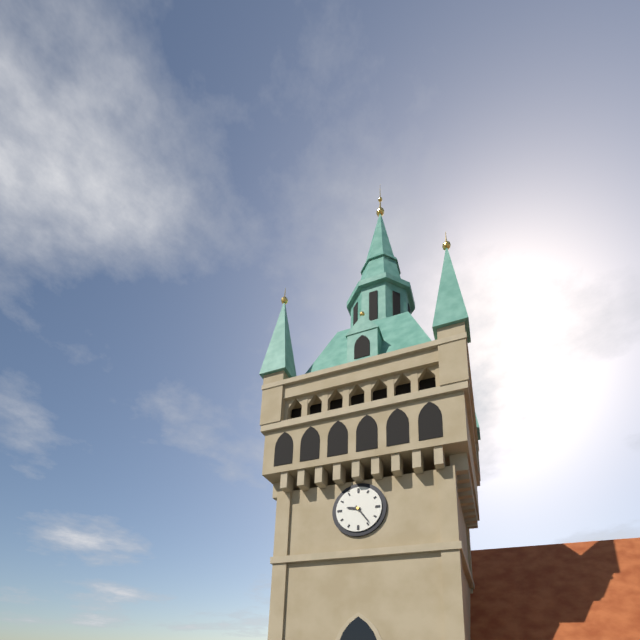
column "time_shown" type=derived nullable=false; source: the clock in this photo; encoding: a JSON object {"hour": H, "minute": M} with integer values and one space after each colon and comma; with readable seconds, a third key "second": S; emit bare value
{"hour": 9, "minute": 24}
